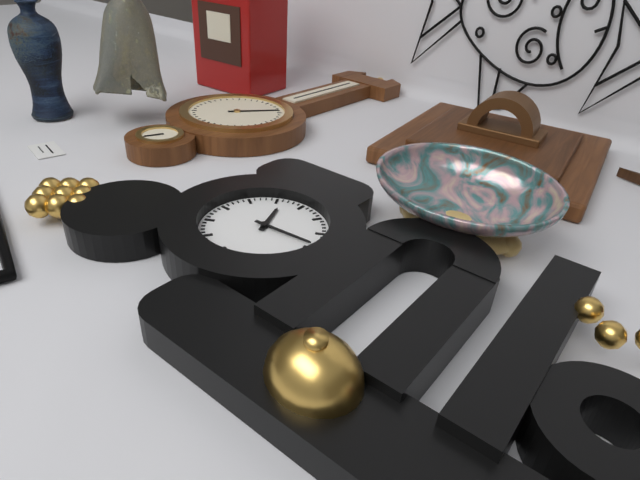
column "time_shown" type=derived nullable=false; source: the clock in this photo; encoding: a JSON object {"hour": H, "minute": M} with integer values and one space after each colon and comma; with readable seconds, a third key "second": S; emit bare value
{"hour": 11, "minute": 14}
